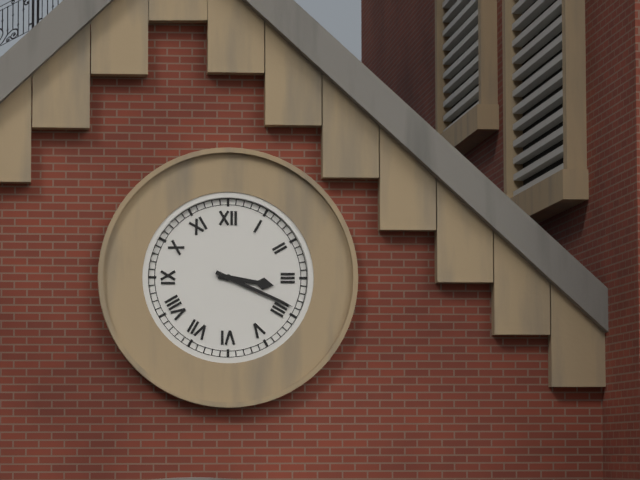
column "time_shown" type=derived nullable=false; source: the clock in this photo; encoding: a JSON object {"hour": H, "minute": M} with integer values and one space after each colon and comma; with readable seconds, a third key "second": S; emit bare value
{"hour": 3, "minute": 19}
